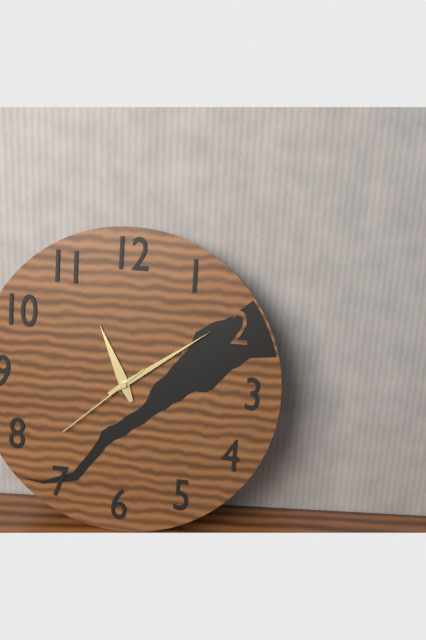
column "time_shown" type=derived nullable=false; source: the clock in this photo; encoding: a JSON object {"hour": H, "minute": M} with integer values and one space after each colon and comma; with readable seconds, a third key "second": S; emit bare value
{"hour": 11, "minute": 9, "second": 38}
